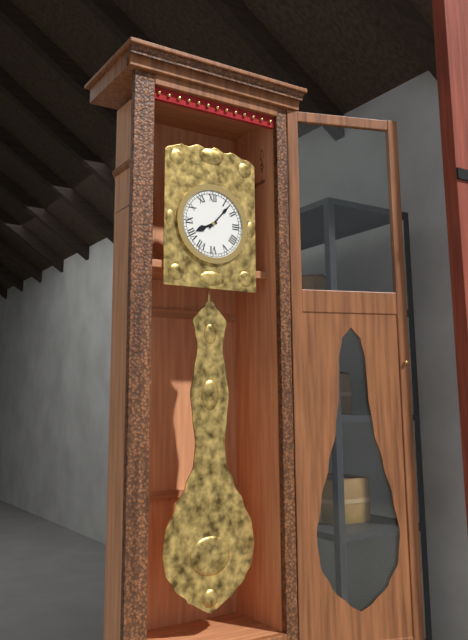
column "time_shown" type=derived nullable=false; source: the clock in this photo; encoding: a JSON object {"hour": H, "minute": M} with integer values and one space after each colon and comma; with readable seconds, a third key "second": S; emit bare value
{"hour": 8, "minute": 7}
